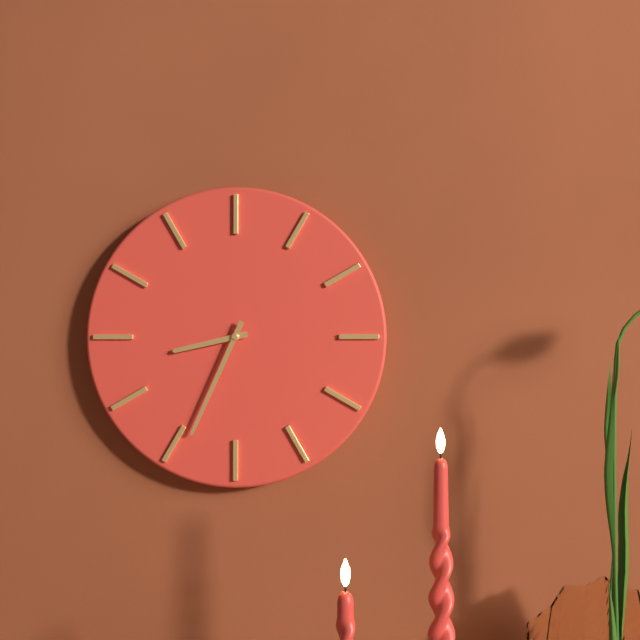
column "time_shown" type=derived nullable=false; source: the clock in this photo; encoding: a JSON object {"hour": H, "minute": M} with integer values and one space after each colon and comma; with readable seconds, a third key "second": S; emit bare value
{"hour": 8, "minute": 34}
